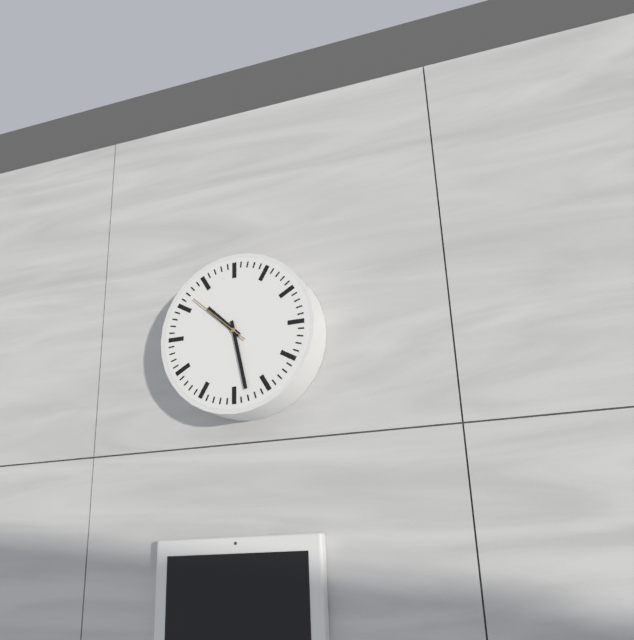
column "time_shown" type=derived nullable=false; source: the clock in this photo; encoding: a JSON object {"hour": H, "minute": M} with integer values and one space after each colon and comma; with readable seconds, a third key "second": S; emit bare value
{"hour": 10, "minute": 28, "second": 52}
